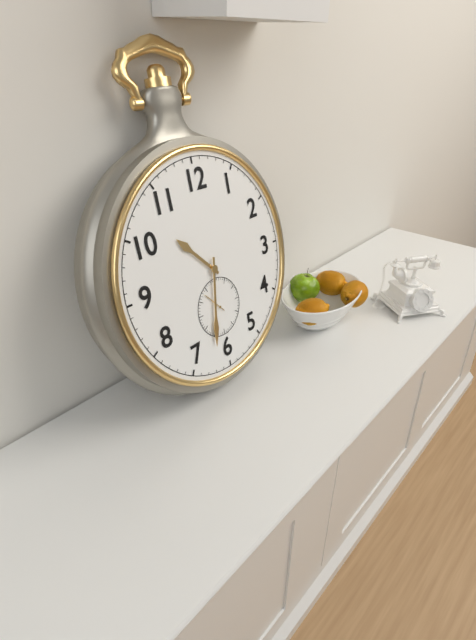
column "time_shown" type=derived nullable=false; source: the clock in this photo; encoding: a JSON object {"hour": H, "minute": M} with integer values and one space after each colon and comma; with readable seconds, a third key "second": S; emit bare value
{"hour": 10, "minute": 32}
